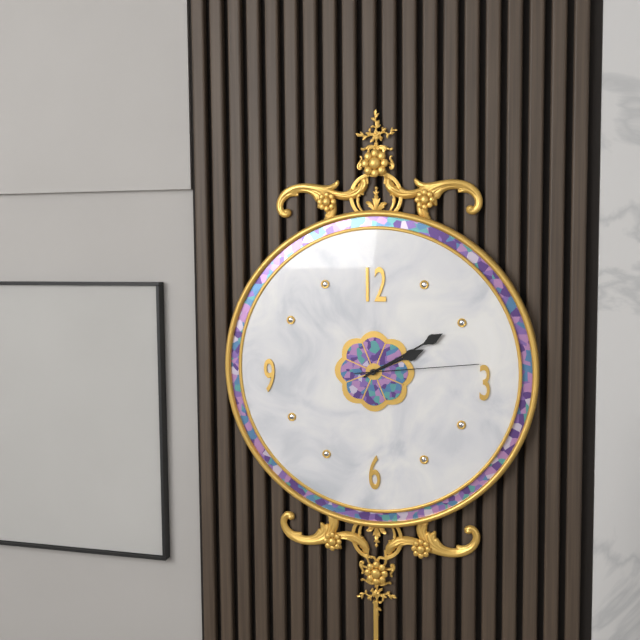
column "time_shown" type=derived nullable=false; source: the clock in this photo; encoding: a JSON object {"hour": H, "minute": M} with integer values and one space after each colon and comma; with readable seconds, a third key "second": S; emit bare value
{"hour": 2, "minute": 10, "second": 14}
